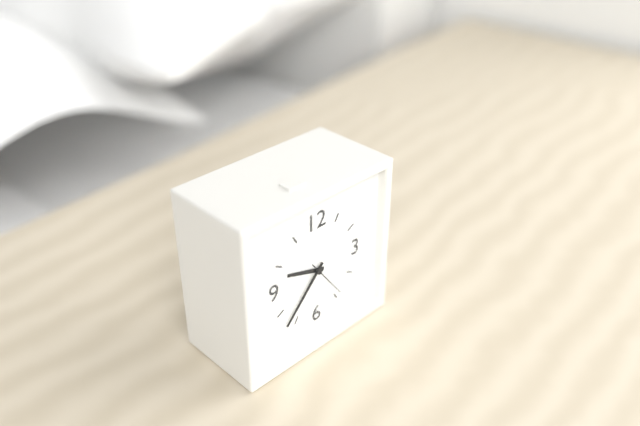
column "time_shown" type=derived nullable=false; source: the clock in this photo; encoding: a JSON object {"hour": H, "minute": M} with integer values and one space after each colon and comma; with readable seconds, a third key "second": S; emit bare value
{"hour": 9, "minute": 37}
